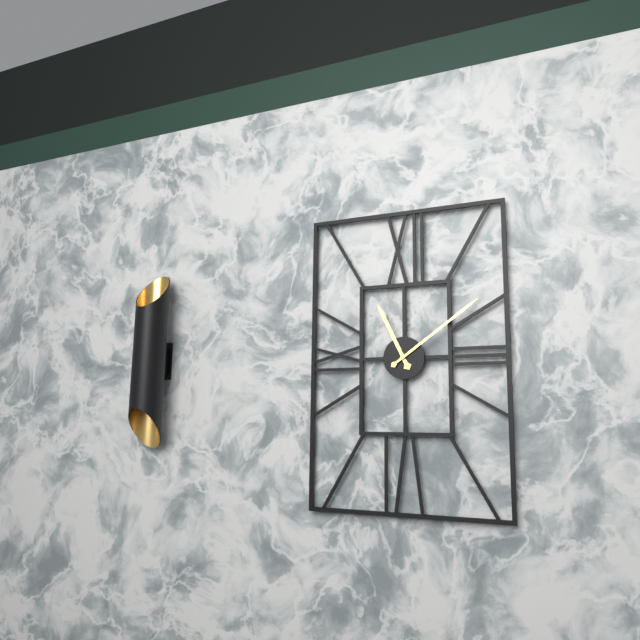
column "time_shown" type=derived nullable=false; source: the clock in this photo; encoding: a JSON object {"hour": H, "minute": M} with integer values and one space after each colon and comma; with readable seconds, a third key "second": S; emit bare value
{"hour": 11, "minute": 9}
